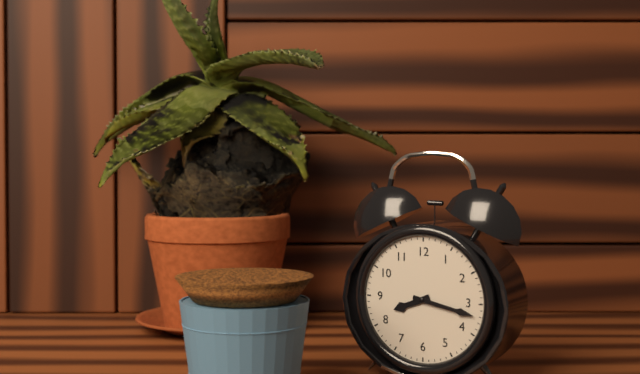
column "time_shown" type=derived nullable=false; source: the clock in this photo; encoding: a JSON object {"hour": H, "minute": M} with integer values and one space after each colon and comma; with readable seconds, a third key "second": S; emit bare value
{"hour": 8, "minute": 17}
